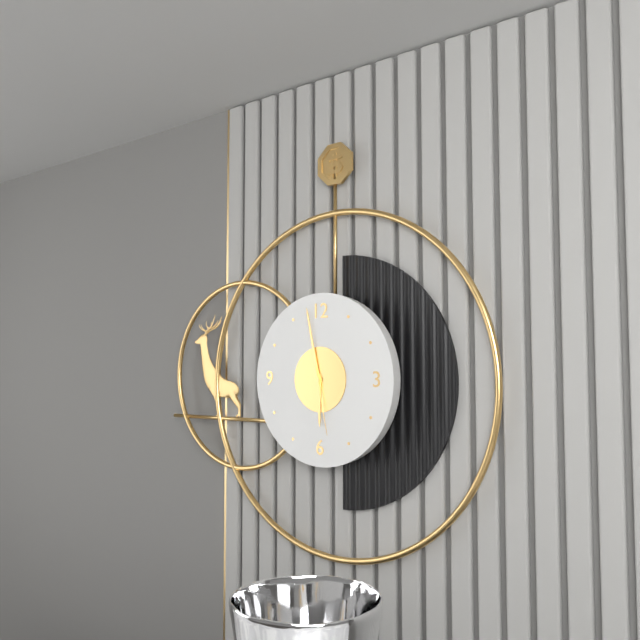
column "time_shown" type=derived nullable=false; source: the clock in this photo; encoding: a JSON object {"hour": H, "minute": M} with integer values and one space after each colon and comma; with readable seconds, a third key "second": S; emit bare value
{"hour": 5, "minute": 58, "second": 28}
